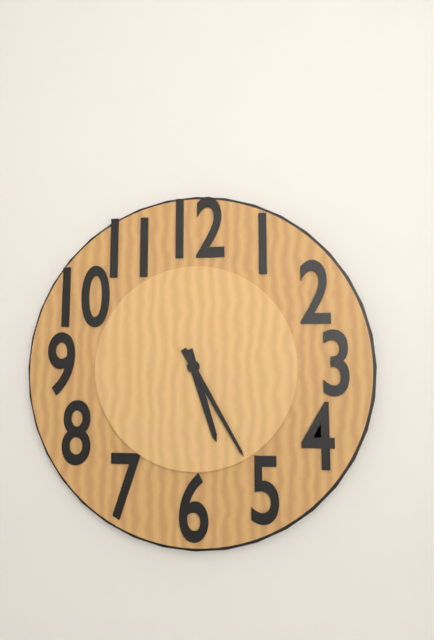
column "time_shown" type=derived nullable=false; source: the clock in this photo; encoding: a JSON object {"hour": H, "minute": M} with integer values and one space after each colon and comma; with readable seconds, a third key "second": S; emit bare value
{"hour": 5, "minute": 25}
